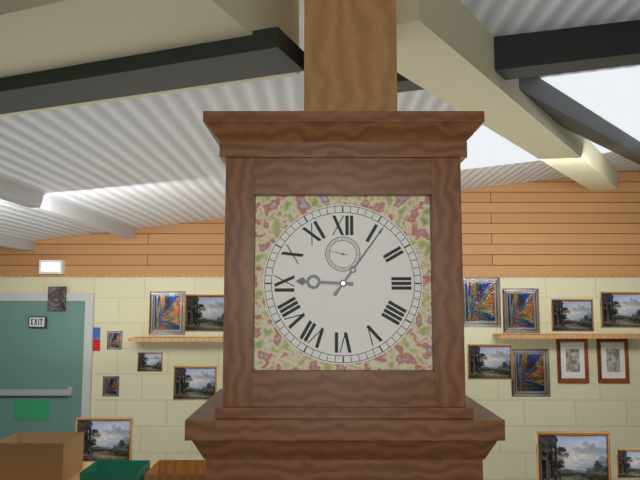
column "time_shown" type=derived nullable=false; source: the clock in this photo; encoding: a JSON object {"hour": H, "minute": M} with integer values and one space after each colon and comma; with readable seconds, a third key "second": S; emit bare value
{"hour": 9, "minute": 6}
